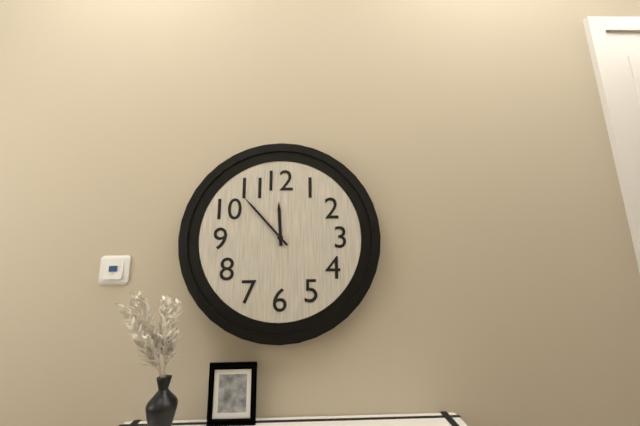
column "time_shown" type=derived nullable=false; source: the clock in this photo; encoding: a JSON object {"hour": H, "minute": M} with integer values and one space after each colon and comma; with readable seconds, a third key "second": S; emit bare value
{"hour": 11, "minute": 53}
